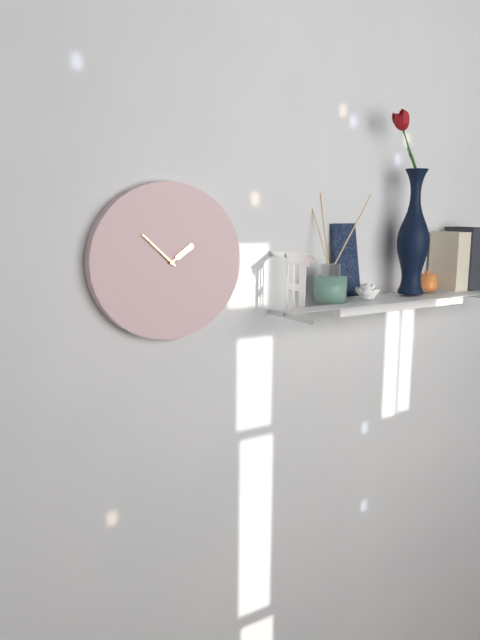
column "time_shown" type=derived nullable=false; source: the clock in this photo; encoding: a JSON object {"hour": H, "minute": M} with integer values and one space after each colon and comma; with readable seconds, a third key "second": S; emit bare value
{"hour": 1, "minute": 52}
